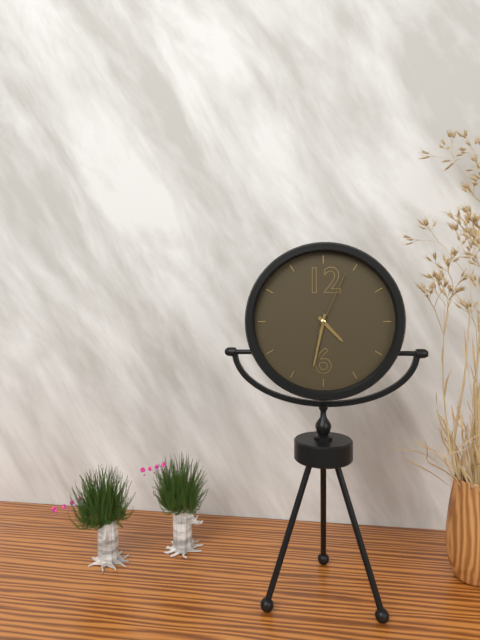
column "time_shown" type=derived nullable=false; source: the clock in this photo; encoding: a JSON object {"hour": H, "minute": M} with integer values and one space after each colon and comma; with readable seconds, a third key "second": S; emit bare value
{"hour": 4, "minute": 32, "second": 4}
